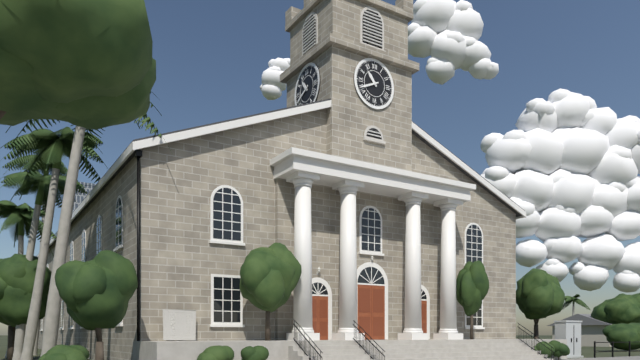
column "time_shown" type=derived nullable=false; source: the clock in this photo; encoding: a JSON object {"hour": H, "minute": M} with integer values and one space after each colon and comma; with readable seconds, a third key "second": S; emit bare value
{"hour": 10, "minute": 41}
